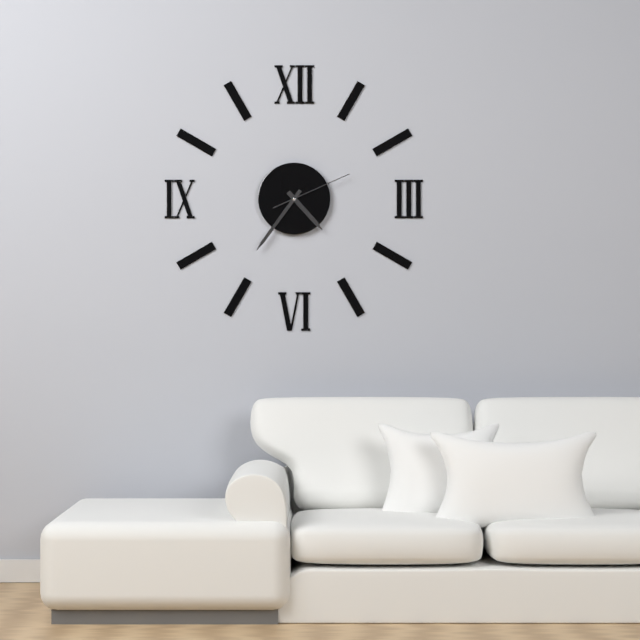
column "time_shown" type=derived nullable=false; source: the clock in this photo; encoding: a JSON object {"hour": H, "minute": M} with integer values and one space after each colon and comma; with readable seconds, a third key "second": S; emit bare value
{"hour": 4, "minute": 36, "second": 11}
